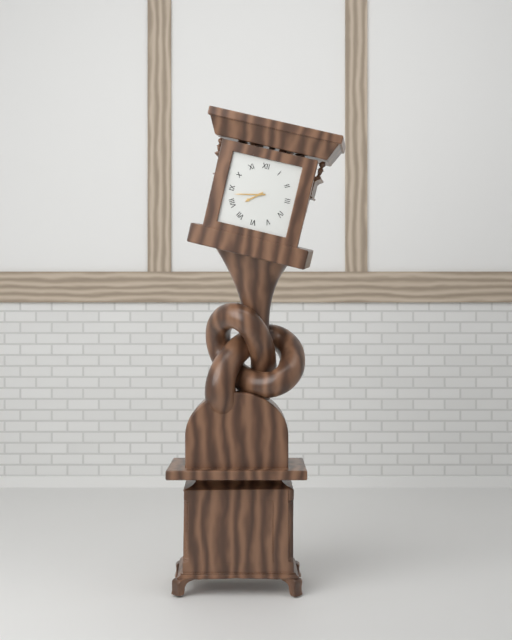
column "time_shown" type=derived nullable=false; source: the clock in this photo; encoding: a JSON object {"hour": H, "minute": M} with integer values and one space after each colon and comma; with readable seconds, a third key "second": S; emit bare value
{"hour": 7, "minute": 43}
